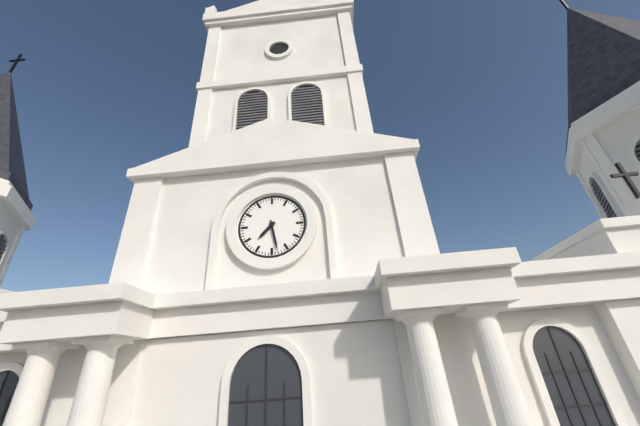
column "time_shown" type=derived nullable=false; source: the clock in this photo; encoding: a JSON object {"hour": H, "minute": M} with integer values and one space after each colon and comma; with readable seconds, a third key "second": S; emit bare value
{"hour": 7, "minute": 28}
